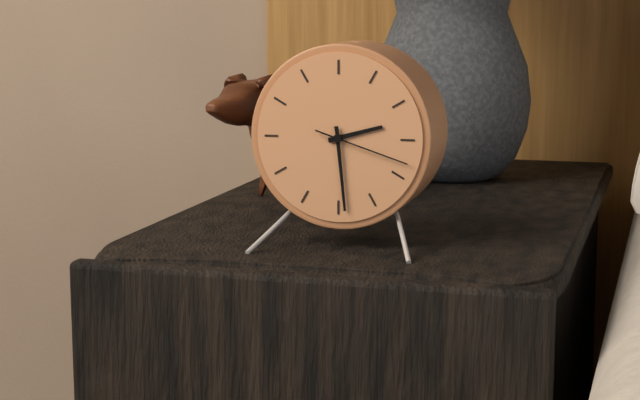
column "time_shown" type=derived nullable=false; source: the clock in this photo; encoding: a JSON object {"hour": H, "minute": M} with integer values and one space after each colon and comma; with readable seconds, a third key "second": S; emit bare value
{"hour": 2, "minute": 29, "second": 18}
